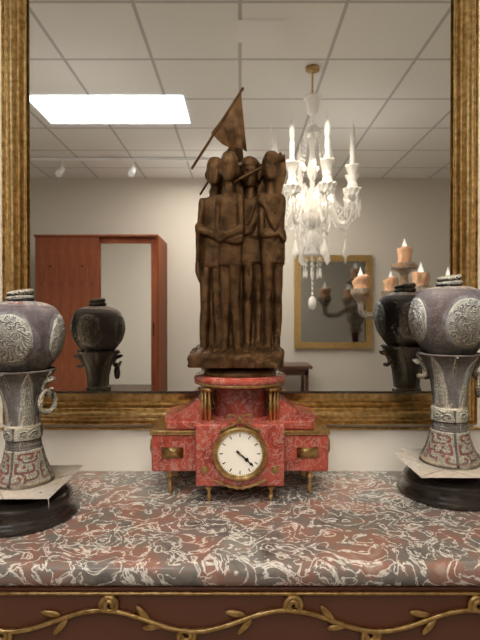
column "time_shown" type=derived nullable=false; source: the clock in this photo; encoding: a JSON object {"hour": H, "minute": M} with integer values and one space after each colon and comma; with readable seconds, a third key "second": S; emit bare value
{"hour": 4, "minute": 22}
